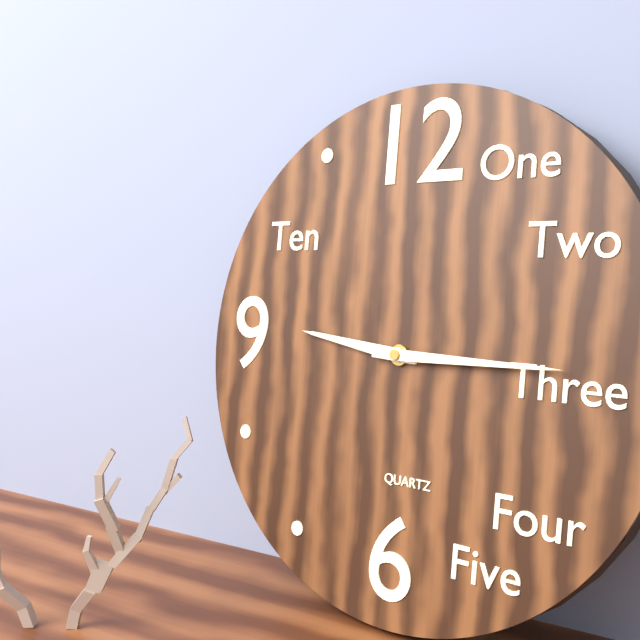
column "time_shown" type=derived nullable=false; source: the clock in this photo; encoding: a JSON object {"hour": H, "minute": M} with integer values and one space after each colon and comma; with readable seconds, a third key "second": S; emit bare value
{"hour": 9, "minute": 15}
